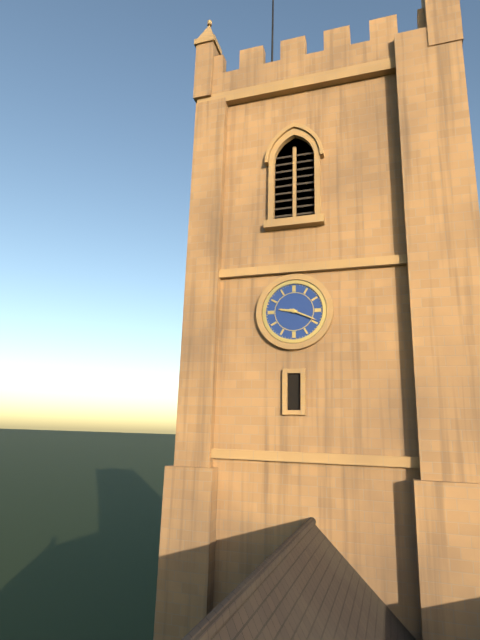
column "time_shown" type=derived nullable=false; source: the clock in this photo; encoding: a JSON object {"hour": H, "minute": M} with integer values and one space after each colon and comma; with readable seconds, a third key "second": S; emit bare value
{"hour": 9, "minute": 19}
